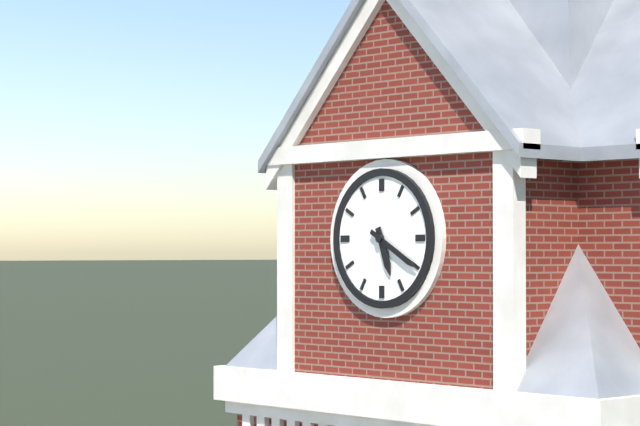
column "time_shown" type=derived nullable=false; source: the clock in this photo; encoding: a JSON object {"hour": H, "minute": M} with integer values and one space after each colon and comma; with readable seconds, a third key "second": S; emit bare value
{"hour": 5, "minute": 20}
